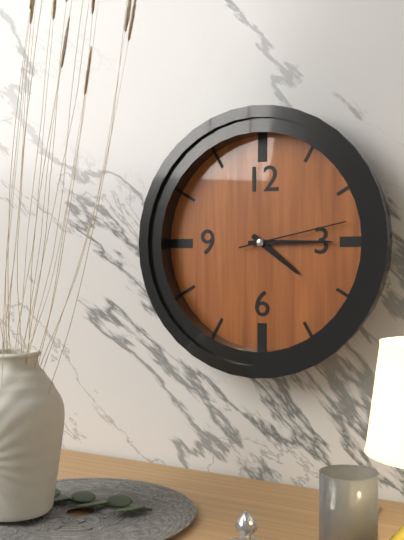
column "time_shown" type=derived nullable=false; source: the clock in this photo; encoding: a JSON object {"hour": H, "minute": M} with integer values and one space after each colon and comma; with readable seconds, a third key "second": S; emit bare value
{"hour": 4, "minute": 15, "second": 13}
